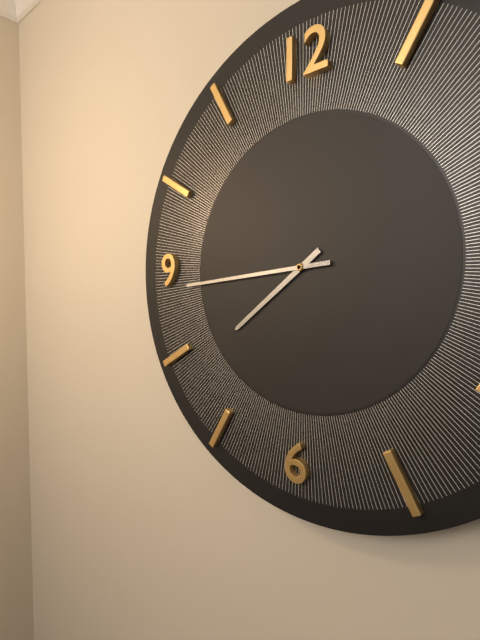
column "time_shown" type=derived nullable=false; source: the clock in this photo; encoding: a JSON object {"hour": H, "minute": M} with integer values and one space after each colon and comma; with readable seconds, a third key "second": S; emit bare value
{"hour": 7, "minute": 44}
